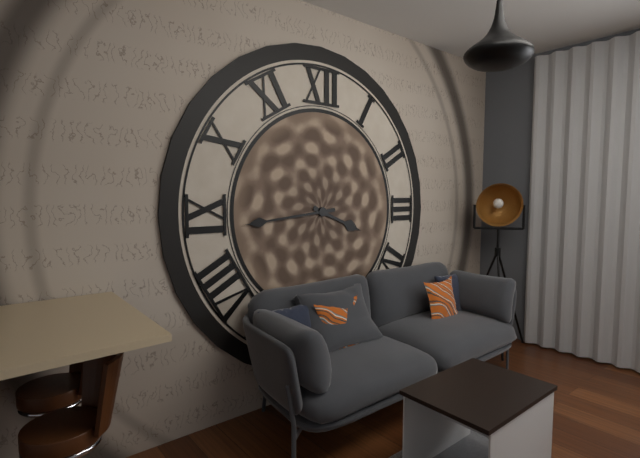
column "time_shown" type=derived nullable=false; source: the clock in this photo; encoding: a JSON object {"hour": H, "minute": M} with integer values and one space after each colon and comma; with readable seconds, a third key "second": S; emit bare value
{"hour": 3, "minute": 44}
